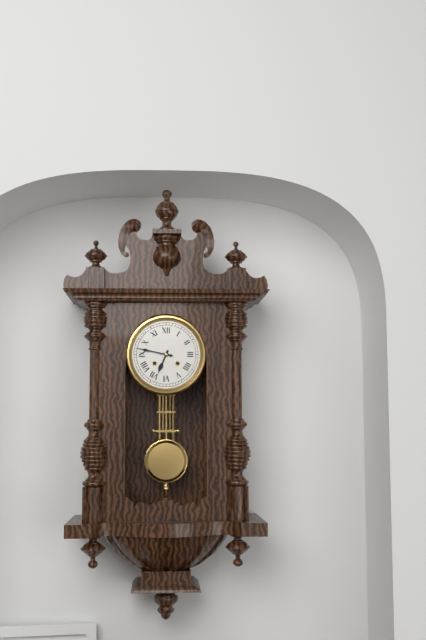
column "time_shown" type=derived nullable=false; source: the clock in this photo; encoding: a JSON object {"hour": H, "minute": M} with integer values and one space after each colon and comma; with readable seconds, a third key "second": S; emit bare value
{"hour": 6, "minute": 47}
